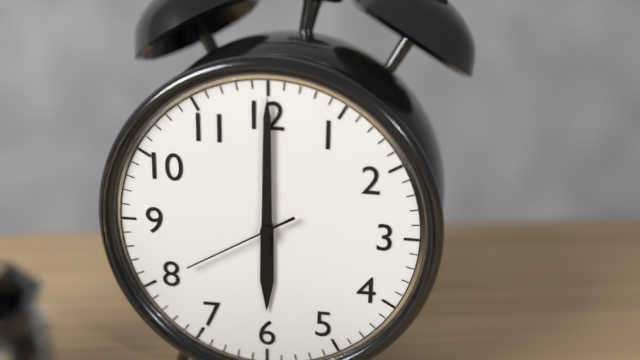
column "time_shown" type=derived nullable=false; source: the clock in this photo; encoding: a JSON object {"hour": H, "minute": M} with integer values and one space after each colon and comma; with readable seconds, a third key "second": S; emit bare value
{"hour": 6, "minute": 0, "second": 40}
